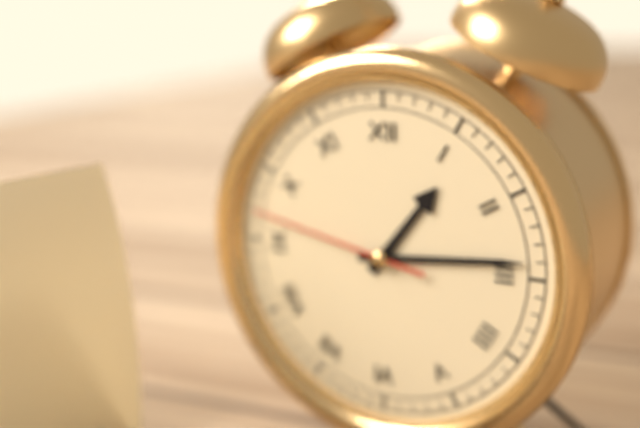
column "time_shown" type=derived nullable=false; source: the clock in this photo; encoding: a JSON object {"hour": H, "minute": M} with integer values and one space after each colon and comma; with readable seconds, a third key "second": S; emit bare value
{"hour": 1, "minute": 14, "second": 47}
